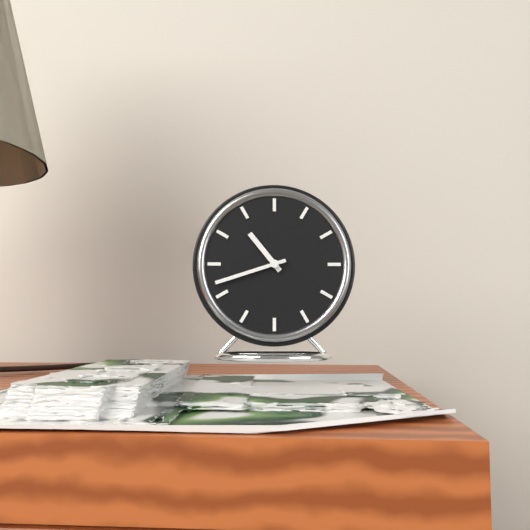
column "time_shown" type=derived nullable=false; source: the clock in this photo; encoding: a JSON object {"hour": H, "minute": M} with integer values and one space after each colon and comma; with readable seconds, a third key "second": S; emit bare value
{"hour": 10, "minute": 42}
